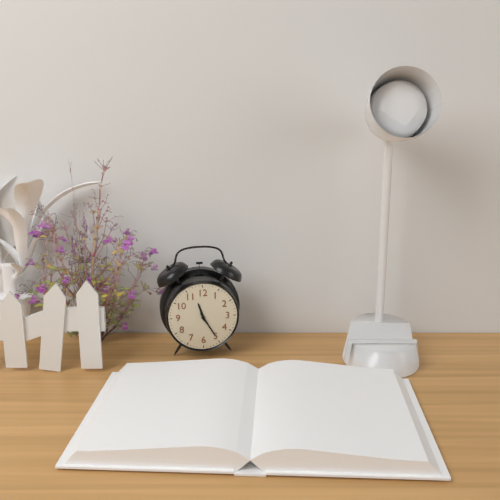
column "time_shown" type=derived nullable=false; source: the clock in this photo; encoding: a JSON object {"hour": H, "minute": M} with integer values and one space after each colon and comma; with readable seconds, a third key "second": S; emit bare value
{"hour": 11, "minute": 25}
